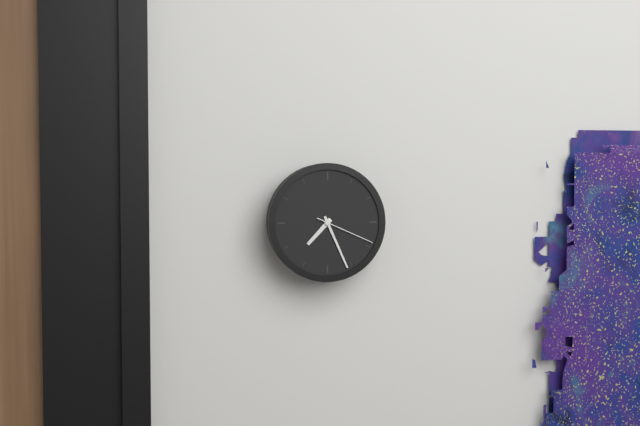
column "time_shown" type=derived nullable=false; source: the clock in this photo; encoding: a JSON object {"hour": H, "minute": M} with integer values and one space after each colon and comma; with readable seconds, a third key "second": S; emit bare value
{"hour": 7, "minute": 26, "second": 19}
